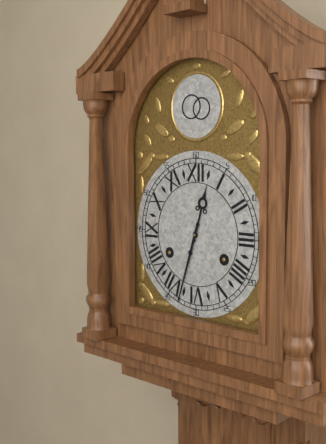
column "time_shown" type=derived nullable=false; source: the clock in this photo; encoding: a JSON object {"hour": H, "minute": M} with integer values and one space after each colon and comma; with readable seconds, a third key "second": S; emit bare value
{"hour": 12, "minute": 33}
